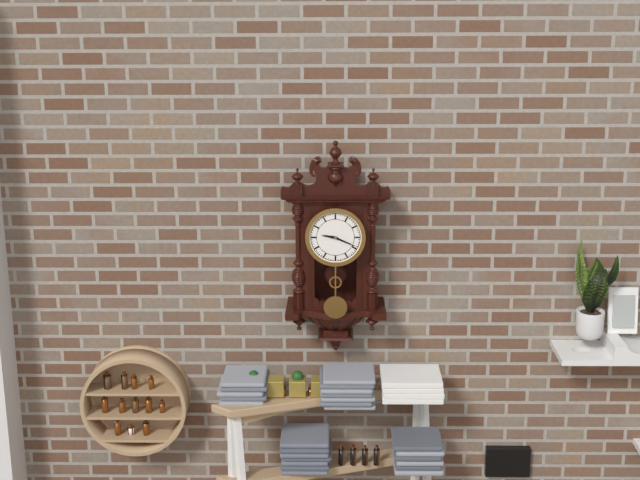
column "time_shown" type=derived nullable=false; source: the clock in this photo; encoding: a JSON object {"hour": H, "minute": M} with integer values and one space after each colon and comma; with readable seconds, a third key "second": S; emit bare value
{"hour": 9, "minute": 19}
